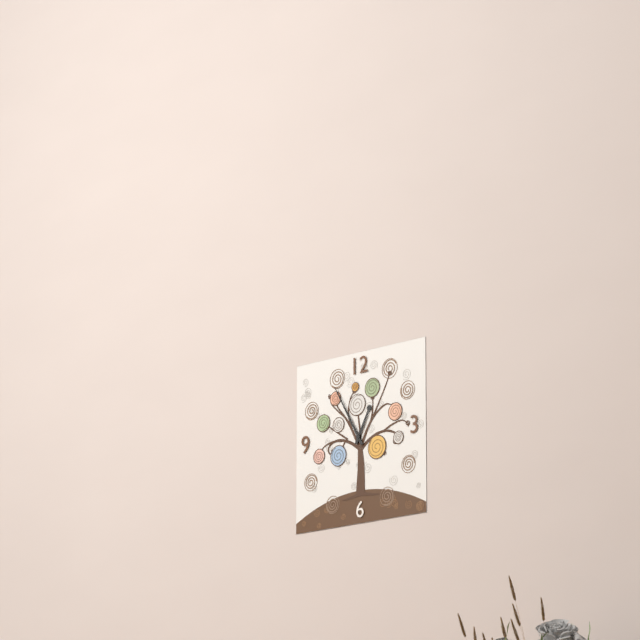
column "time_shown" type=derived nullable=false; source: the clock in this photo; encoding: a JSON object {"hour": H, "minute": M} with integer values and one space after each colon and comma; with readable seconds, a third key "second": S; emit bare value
{"hour": 12, "minute": 55}
